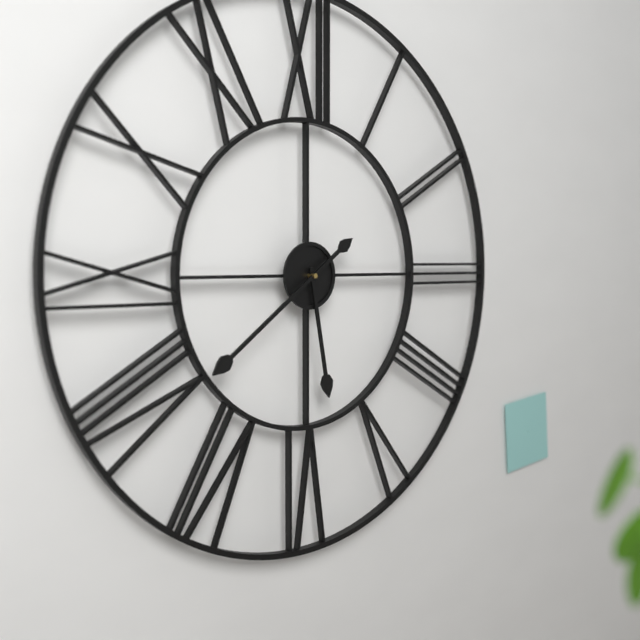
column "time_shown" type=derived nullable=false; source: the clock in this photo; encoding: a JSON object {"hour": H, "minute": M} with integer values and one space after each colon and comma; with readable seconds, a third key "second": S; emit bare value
{"hour": 5, "minute": 39}
